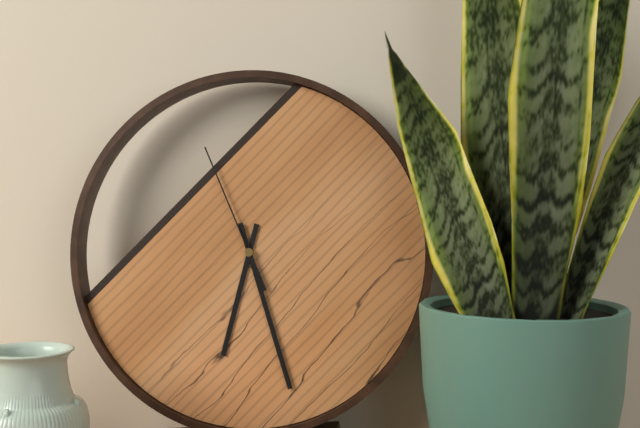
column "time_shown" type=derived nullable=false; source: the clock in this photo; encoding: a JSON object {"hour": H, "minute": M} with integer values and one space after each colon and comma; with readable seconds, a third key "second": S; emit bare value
{"hour": 6, "minute": 27, "second": 56}
